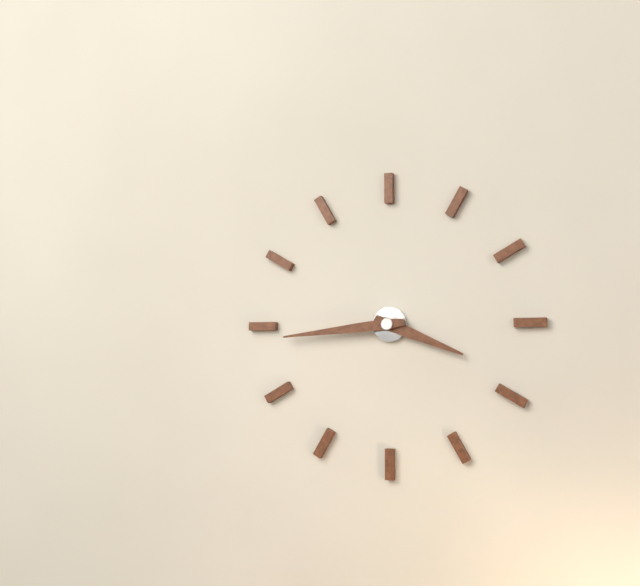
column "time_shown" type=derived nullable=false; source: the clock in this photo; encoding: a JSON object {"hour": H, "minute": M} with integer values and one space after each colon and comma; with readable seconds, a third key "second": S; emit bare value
{"hour": 3, "minute": 44}
